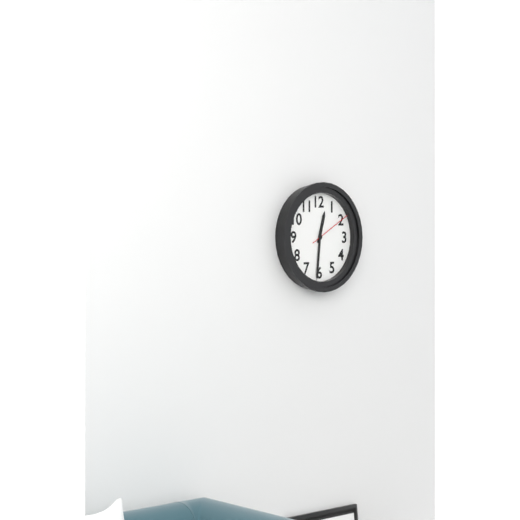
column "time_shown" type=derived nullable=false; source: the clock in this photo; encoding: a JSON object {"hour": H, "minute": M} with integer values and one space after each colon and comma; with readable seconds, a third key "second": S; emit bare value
{"hour": 12, "minute": 31}
